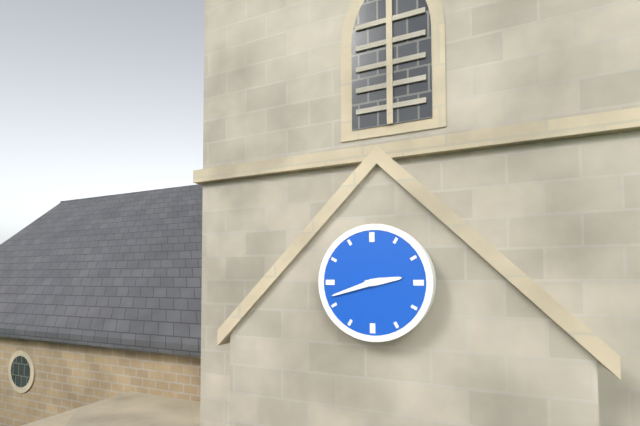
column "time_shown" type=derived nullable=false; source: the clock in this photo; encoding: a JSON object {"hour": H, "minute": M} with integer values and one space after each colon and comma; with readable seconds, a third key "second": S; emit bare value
{"hour": 2, "minute": 42}
